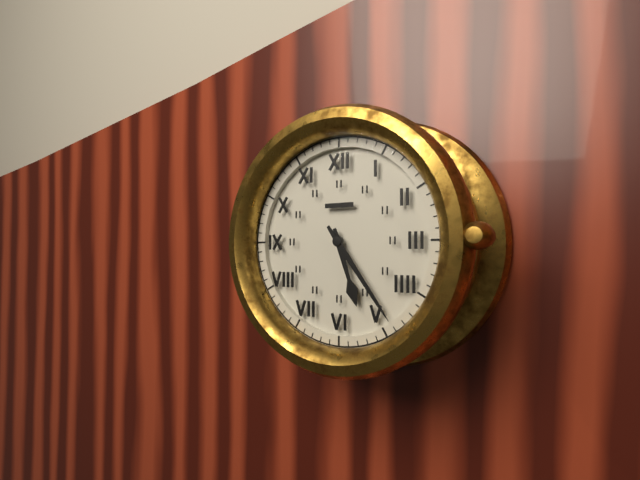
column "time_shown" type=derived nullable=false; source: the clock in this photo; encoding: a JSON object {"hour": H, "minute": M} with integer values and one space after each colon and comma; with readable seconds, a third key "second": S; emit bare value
{"hour": 5, "minute": 24}
